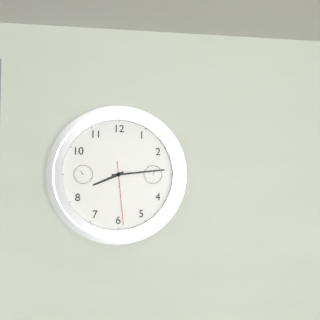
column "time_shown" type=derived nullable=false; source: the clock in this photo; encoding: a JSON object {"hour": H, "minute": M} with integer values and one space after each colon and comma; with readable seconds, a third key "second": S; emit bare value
{"hour": 8, "minute": 14, "second": 29}
